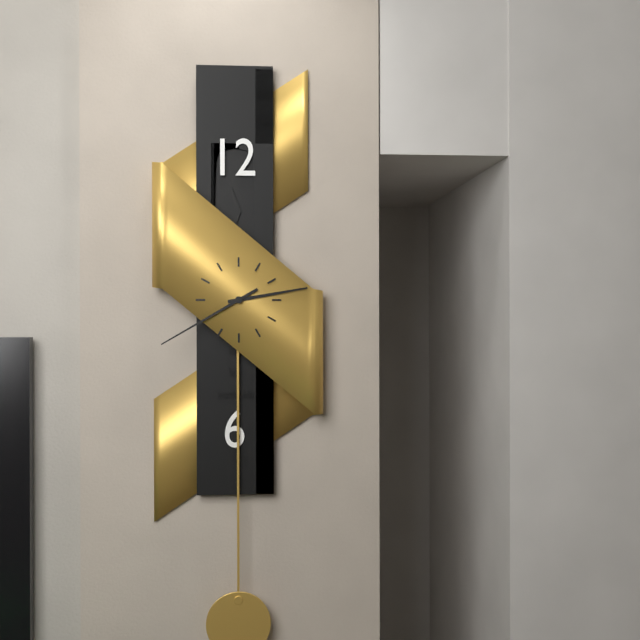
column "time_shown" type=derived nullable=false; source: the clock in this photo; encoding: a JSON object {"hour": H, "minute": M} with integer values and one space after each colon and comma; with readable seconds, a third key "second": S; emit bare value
{"hour": 2, "minute": 40}
